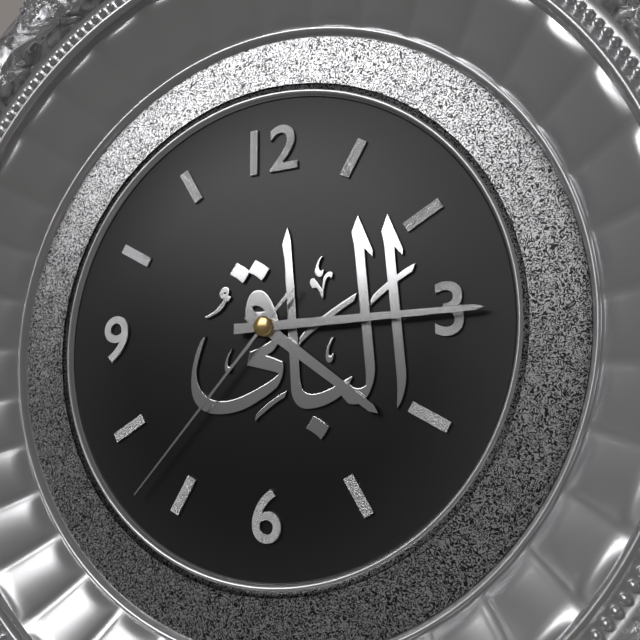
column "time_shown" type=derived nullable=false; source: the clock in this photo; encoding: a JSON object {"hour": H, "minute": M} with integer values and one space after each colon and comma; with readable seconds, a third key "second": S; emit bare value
{"hour": 4, "minute": 15, "second": 37}
